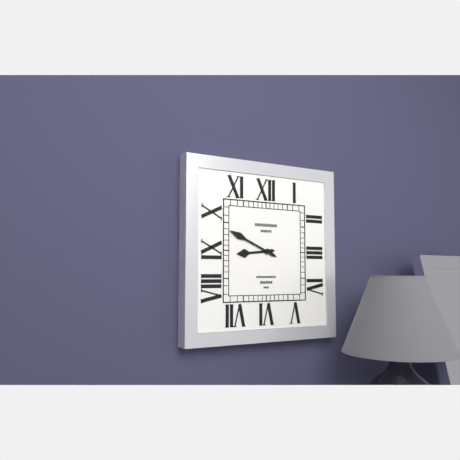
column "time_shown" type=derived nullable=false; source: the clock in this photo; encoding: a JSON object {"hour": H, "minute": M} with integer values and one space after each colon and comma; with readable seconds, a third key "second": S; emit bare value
{"hour": 8, "minute": 49}
